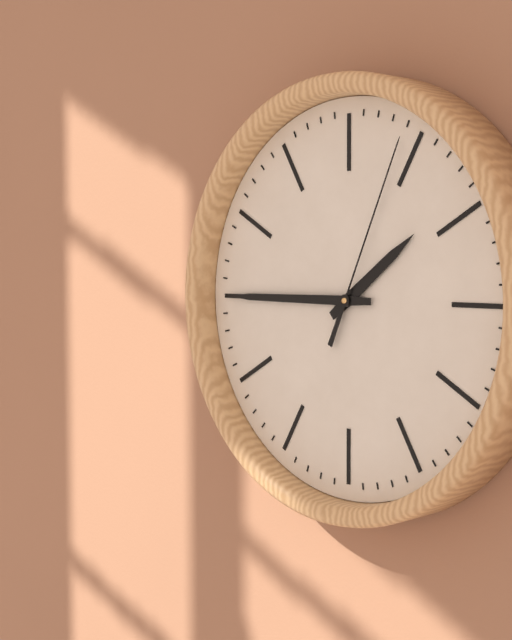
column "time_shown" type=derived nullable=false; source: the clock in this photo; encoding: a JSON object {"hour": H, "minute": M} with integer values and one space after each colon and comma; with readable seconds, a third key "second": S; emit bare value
{"hour": 1, "minute": 45, "second": 4}
